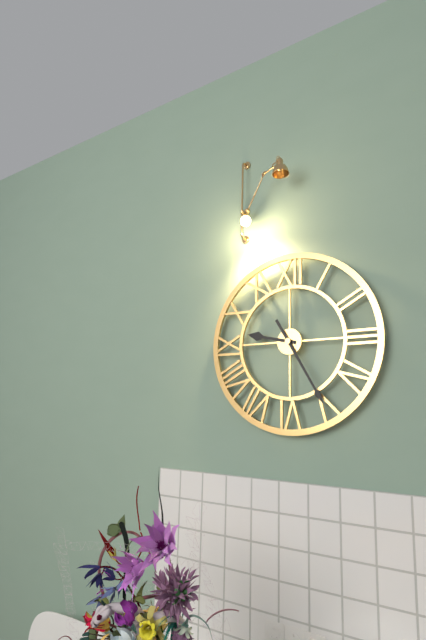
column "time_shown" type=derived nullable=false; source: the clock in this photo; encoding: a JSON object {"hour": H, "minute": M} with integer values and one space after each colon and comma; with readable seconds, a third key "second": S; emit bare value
{"hour": 9, "minute": 25}
